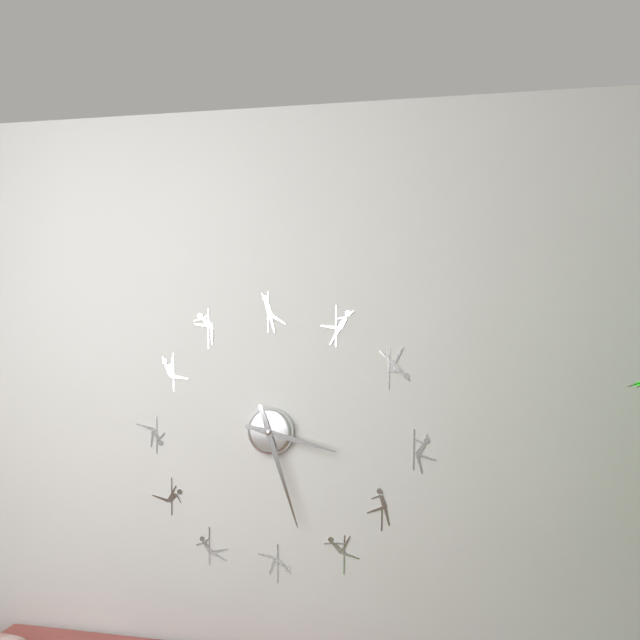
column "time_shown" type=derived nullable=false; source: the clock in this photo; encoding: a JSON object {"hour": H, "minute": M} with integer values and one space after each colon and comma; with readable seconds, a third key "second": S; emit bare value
{"hour": 3, "minute": 27}
